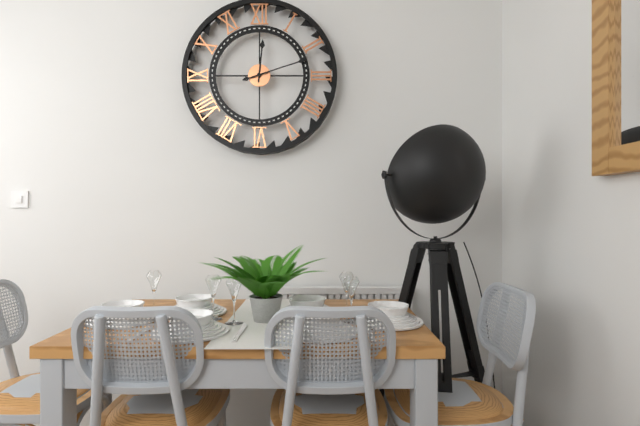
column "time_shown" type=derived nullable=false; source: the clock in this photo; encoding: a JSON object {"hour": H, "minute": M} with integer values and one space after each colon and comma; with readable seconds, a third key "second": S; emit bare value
{"hour": 12, "minute": 12}
